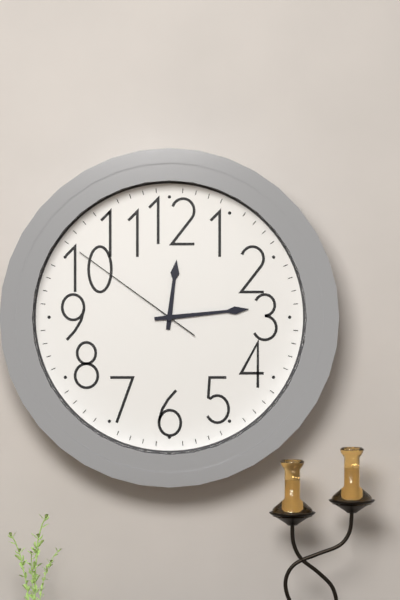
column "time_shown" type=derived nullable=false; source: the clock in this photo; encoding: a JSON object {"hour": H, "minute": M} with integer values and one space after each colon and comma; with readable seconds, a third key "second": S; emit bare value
{"hour": 12, "minute": 14, "second": 51}
